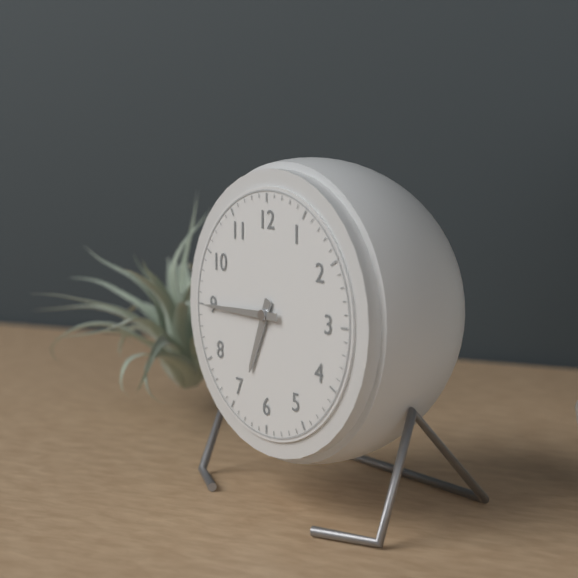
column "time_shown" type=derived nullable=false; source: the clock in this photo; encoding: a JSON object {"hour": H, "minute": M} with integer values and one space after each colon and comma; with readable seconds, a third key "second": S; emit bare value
{"hour": 6, "minute": 45}
